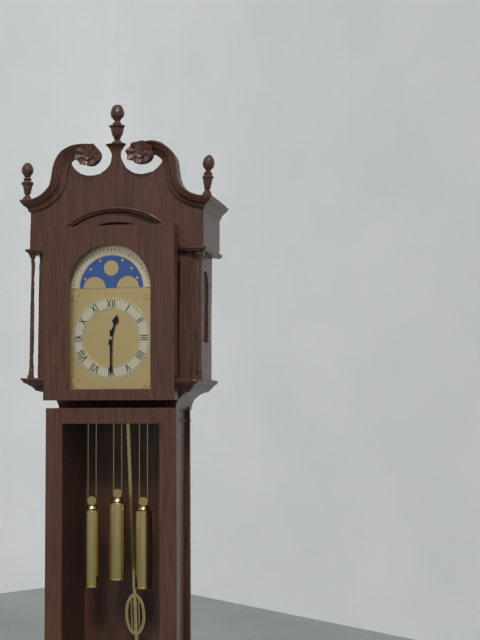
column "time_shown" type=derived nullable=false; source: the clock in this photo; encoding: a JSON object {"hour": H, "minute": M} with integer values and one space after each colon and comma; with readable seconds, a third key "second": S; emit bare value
{"hour": 12, "minute": 30}
